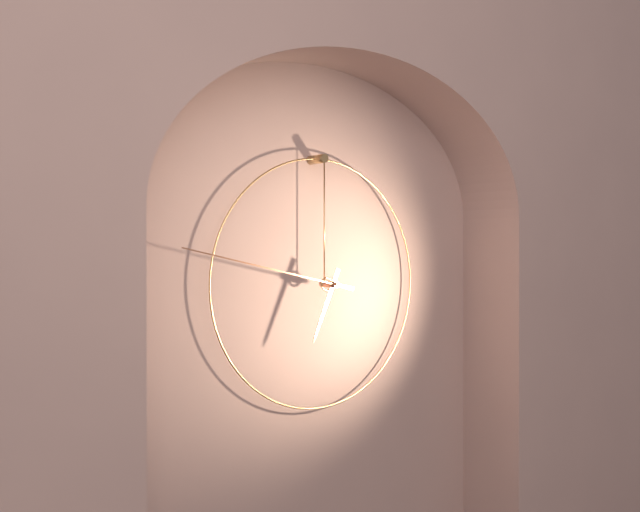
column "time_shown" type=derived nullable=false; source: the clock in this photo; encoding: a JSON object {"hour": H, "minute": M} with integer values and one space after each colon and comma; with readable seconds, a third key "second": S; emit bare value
{"hour": 6, "minute": 47}
